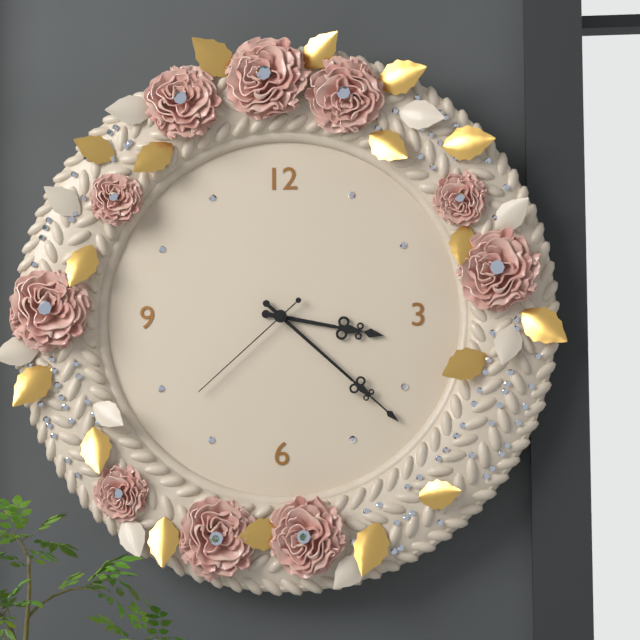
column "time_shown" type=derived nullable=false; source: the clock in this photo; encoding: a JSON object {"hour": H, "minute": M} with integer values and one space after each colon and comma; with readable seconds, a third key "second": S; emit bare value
{"hour": 3, "minute": 22, "second": 38}
